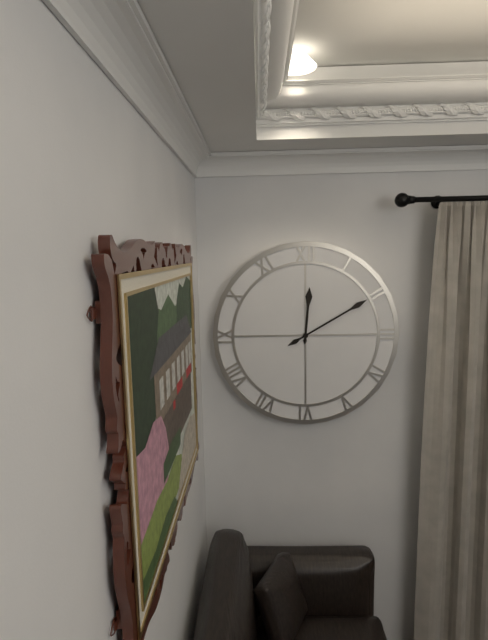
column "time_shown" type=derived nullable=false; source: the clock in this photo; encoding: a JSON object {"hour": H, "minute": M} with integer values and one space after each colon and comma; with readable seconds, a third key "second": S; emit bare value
{"hour": 12, "minute": 10}
